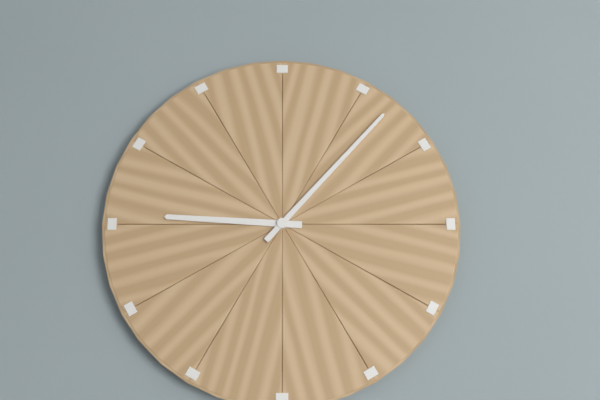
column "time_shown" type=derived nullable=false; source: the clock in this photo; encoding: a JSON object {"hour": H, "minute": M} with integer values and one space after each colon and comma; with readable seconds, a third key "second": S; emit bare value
{"hour": 9, "minute": 7}
